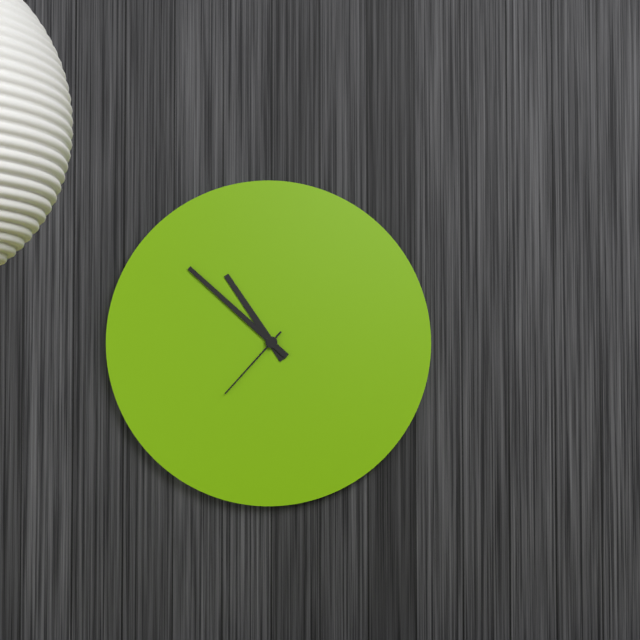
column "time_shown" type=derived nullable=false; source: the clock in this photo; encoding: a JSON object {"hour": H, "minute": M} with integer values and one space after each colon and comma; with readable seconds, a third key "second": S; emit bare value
{"hour": 10, "minute": 52, "second": 37}
